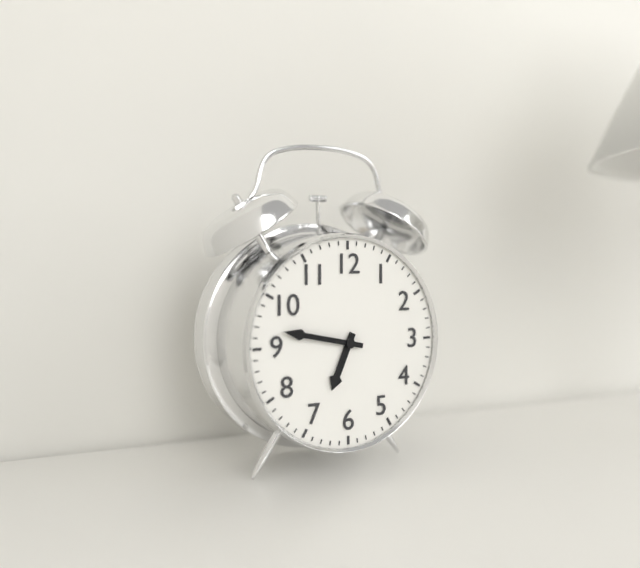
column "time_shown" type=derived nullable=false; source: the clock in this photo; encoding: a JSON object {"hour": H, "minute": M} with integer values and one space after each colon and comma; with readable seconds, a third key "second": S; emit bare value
{"hour": 6, "minute": 47}
